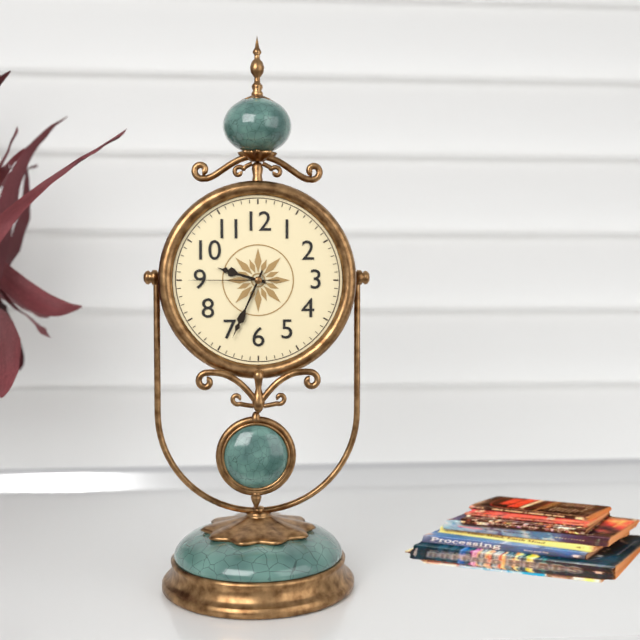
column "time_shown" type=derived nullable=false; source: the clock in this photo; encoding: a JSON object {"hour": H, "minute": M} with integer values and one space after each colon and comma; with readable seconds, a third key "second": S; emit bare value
{"hour": 9, "minute": 34, "second": 45}
